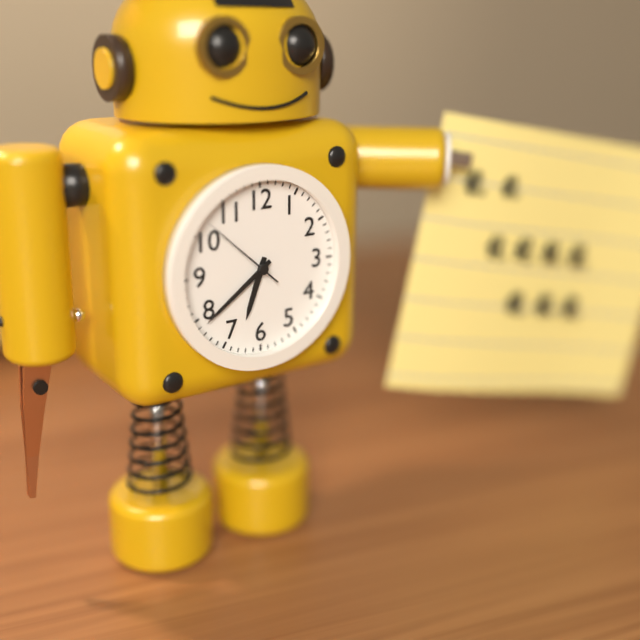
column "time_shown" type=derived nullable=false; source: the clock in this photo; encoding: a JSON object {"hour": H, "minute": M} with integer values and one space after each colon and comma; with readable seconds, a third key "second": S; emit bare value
{"hour": 6, "minute": 39, "second": 52}
